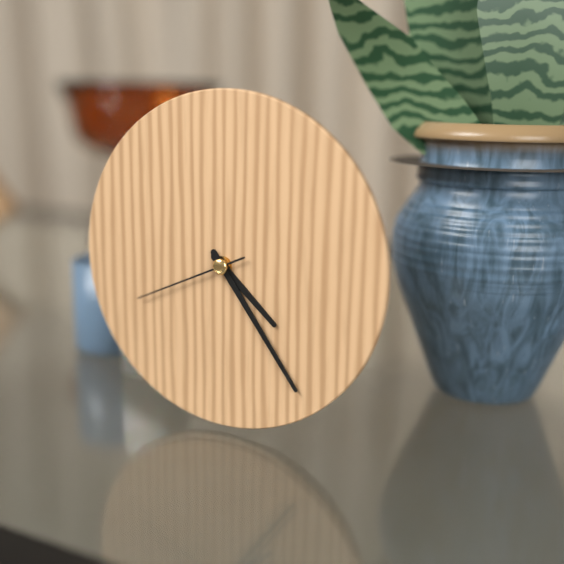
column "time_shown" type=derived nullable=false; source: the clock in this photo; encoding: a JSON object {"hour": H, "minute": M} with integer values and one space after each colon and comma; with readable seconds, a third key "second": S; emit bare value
{"hour": 4, "minute": 24, "second": 41}
